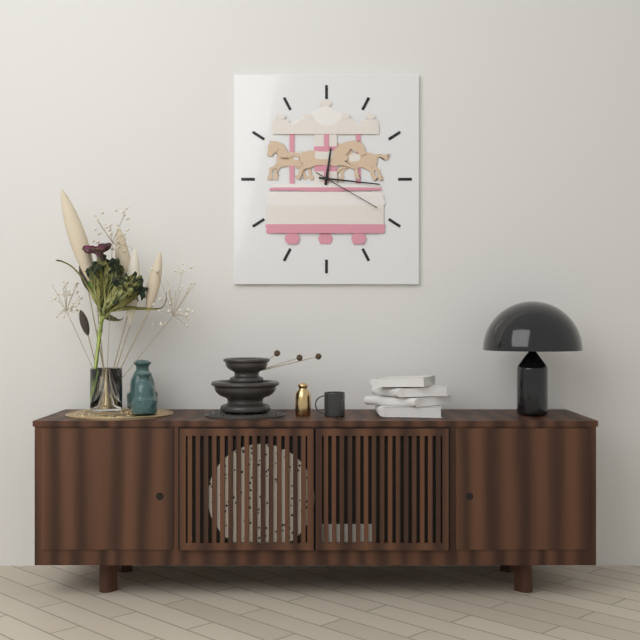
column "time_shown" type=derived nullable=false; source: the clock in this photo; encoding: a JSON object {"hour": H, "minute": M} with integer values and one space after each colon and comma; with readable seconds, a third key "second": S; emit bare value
{"hour": 12, "minute": 16, "second": 20}
